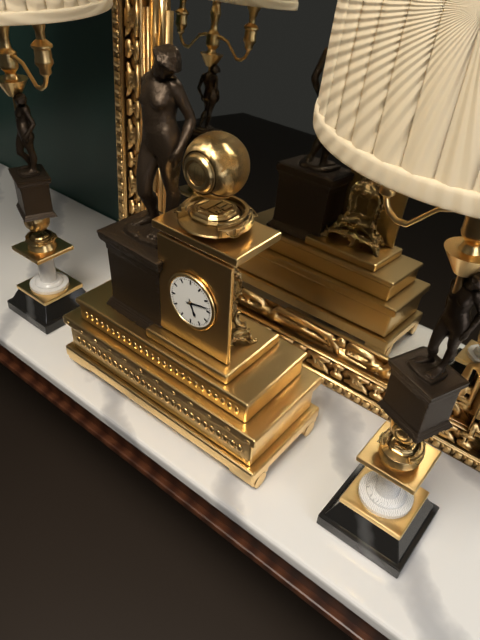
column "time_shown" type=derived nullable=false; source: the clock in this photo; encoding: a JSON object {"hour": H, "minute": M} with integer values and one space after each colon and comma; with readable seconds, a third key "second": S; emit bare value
{"hour": 5, "minute": 13}
